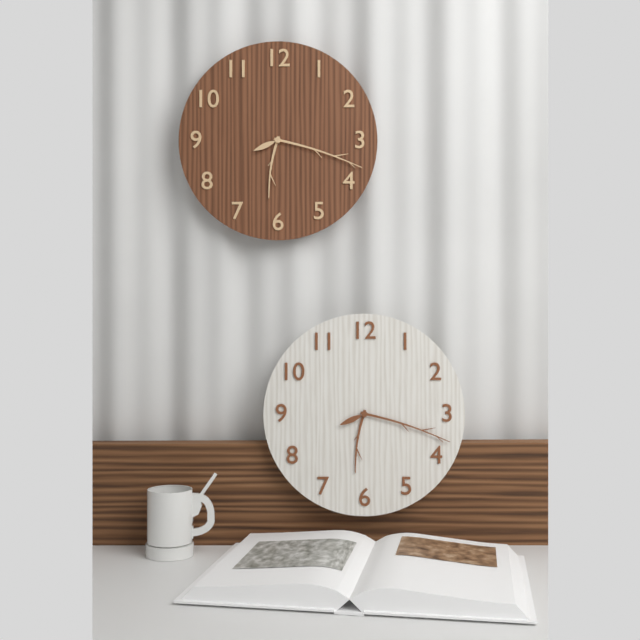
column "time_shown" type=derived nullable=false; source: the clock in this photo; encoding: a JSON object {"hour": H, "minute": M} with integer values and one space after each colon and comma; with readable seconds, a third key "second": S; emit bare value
{"hour": 6, "minute": 18}
